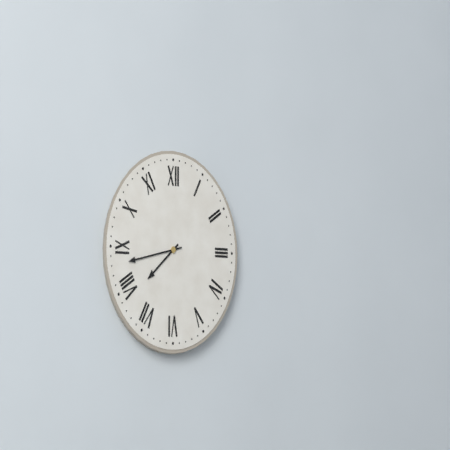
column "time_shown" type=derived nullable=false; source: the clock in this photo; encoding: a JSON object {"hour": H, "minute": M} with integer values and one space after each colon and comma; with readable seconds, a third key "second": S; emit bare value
{"hour": 7, "minute": 43}
